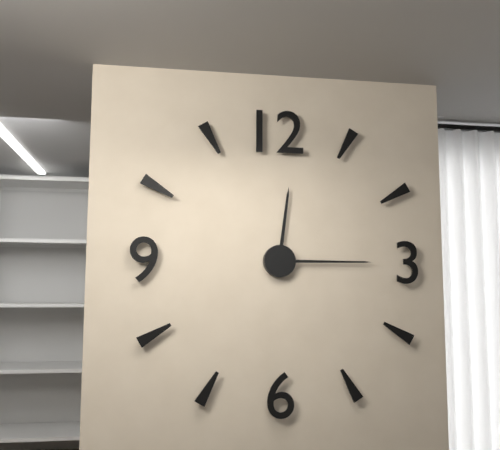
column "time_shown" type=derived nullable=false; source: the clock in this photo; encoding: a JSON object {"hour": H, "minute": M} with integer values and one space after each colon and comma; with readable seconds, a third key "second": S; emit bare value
{"hour": 12, "minute": 15}
